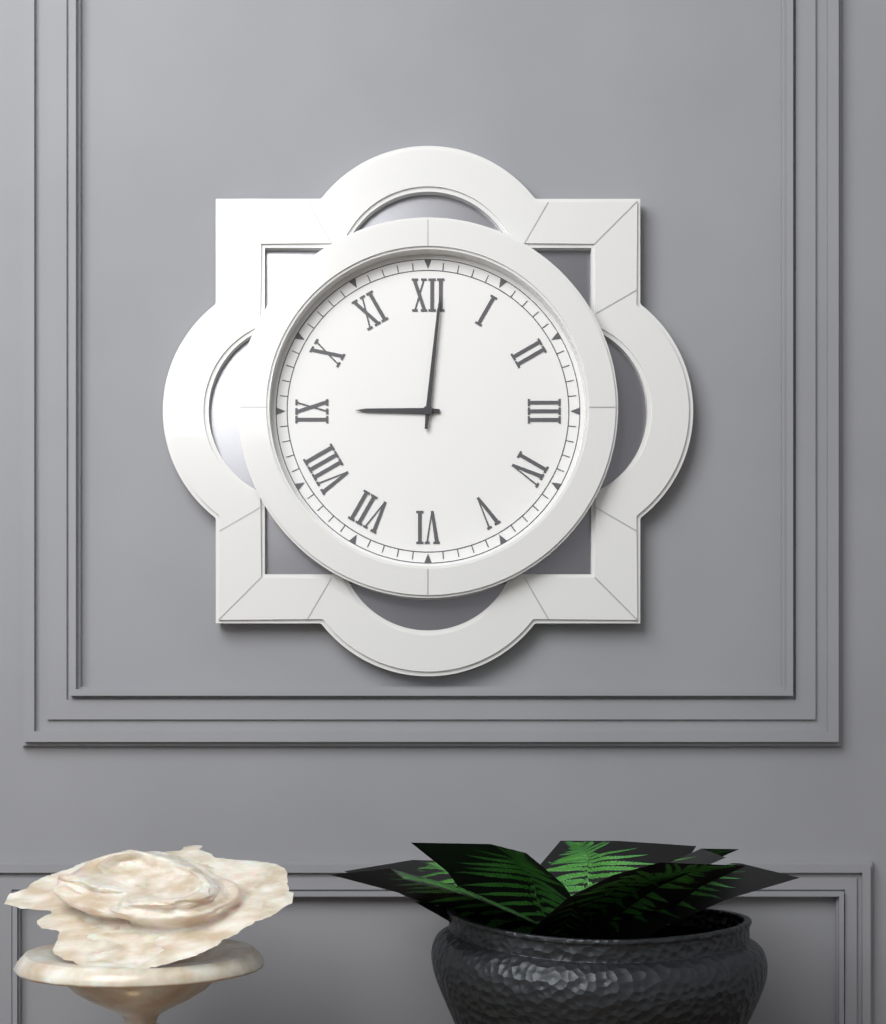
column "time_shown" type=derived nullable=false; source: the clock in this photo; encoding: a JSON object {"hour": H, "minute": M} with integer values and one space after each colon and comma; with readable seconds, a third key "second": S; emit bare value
{"hour": 9, "minute": 1}
